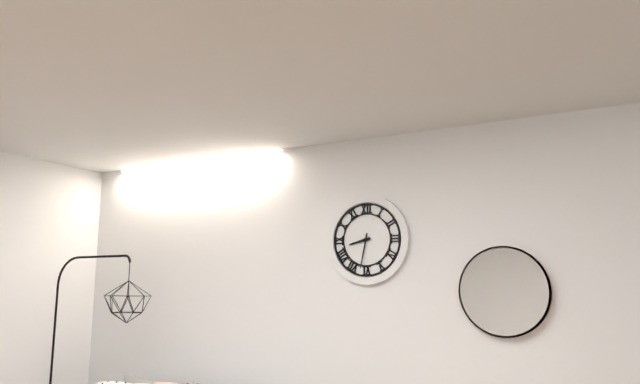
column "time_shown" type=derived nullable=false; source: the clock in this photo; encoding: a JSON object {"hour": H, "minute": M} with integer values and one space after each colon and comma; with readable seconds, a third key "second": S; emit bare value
{"hour": 8, "minute": 32}
